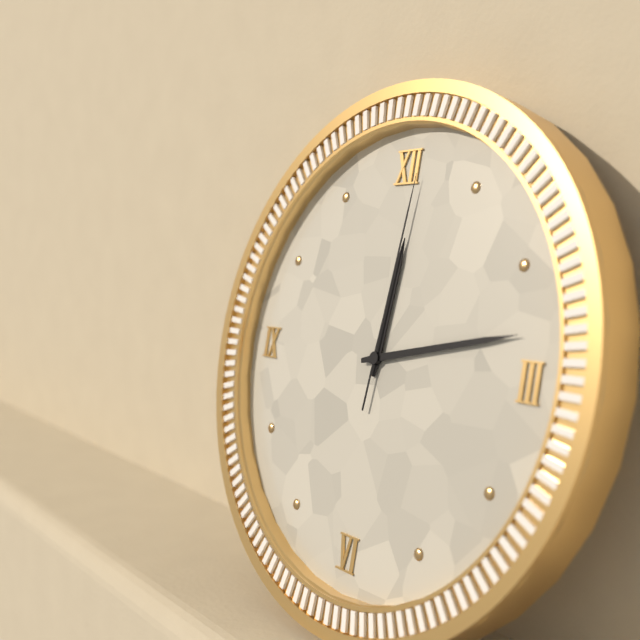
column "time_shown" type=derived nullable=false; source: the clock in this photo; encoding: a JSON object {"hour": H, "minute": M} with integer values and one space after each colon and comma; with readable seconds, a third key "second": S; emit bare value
{"hour": 12, "minute": 13, "second": 1}
